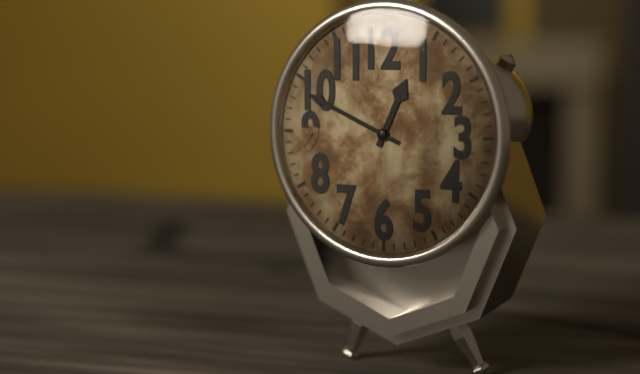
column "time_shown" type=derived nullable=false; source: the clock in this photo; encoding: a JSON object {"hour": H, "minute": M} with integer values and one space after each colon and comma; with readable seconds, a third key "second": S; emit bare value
{"hour": 12, "minute": 49}
